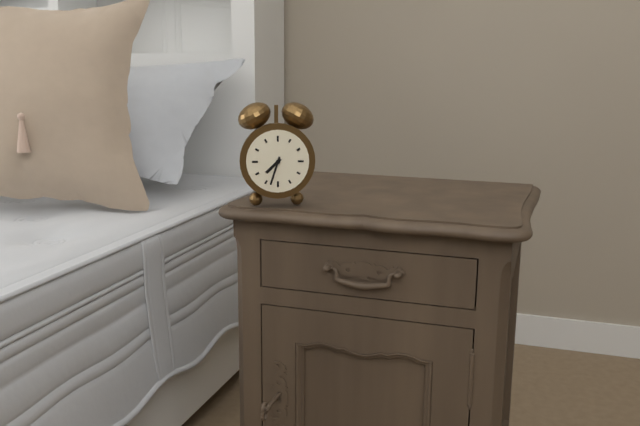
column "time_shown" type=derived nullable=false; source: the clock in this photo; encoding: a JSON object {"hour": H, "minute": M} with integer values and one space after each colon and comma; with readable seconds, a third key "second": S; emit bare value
{"hour": 7, "minute": 33}
